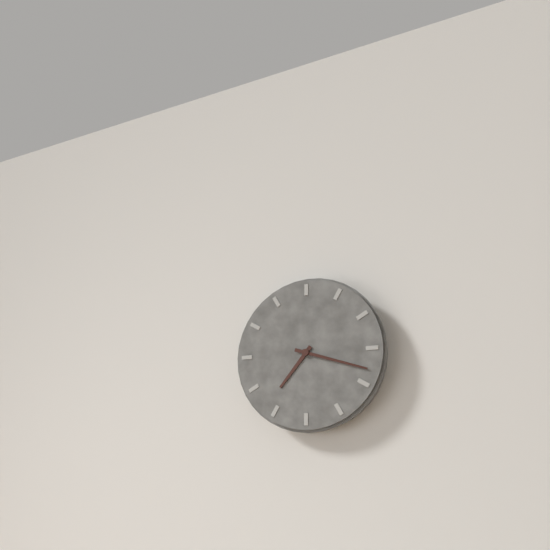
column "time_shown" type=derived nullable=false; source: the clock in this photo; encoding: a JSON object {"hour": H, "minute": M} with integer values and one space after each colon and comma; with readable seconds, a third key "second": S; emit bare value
{"hour": 7, "minute": 18}
